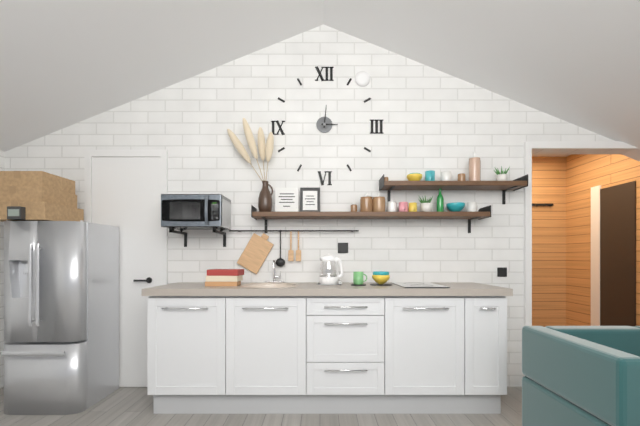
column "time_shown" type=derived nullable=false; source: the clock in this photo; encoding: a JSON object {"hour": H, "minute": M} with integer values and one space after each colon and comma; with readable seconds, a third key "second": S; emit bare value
{"hour": 3, "minute": 1}
